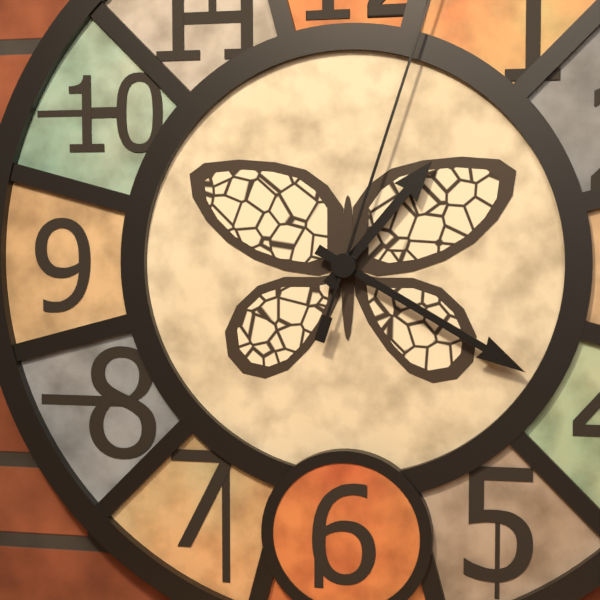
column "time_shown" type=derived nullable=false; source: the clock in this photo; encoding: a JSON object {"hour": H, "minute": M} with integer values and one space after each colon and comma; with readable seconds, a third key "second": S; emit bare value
{"hour": 1, "minute": 20}
